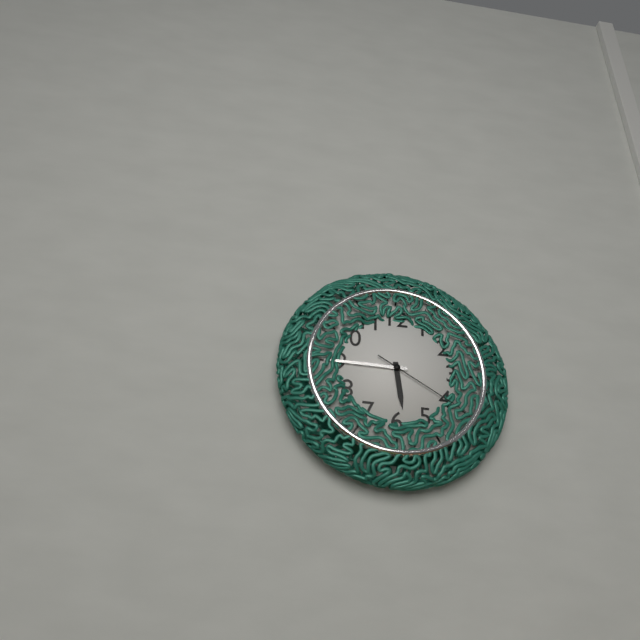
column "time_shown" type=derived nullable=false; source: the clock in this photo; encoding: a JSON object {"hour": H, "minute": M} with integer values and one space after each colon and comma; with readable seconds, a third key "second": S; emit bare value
{"hour": 5, "minute": 45, "second": 20}
